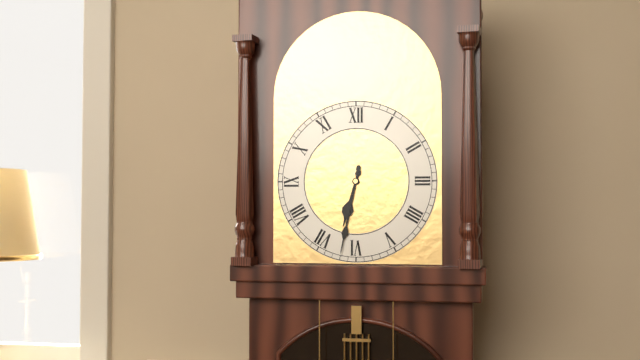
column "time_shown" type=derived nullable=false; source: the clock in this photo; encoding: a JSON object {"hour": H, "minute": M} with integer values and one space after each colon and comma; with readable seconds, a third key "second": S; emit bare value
{"hour": 6, "minute": 32}
